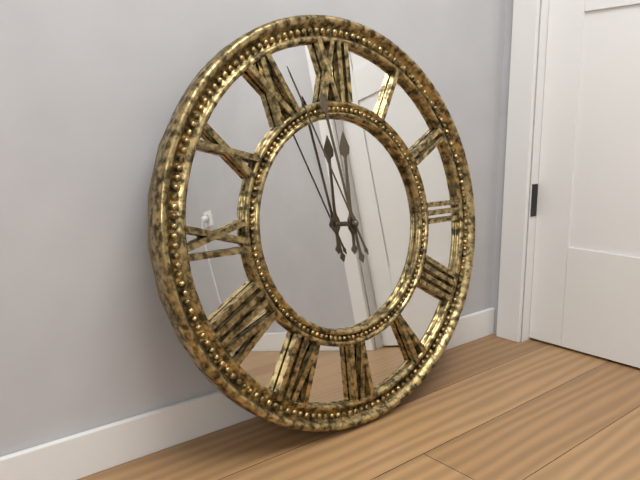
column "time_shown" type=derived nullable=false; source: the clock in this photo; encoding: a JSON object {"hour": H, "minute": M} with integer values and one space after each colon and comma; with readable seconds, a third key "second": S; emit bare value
{"hour": 11, "minute": 58, "second": 56}
